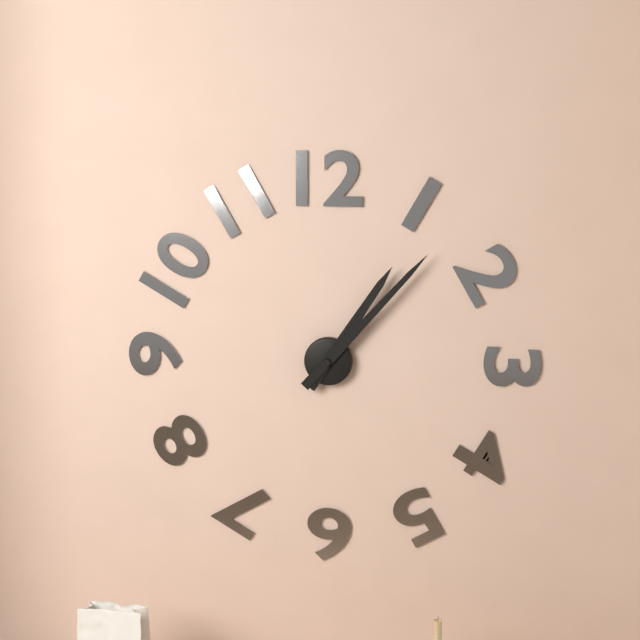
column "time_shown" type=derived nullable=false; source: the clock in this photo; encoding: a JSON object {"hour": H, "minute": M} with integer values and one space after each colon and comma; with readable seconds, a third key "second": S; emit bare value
{"hour": 1, "minute": 7}
